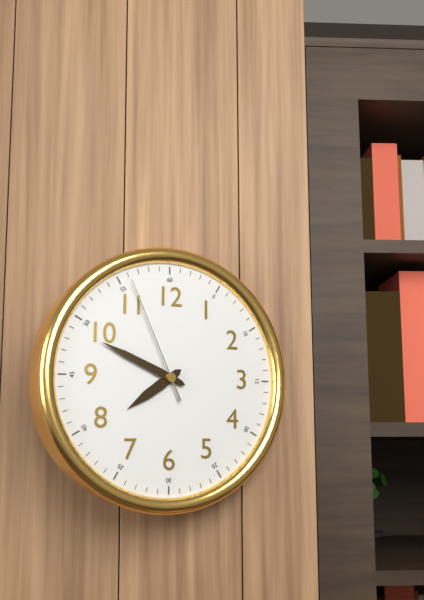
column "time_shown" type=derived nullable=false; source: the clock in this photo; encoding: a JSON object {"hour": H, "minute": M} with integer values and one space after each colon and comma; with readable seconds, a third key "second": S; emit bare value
{"hour": 7, "minute": 49, "second": 56}
